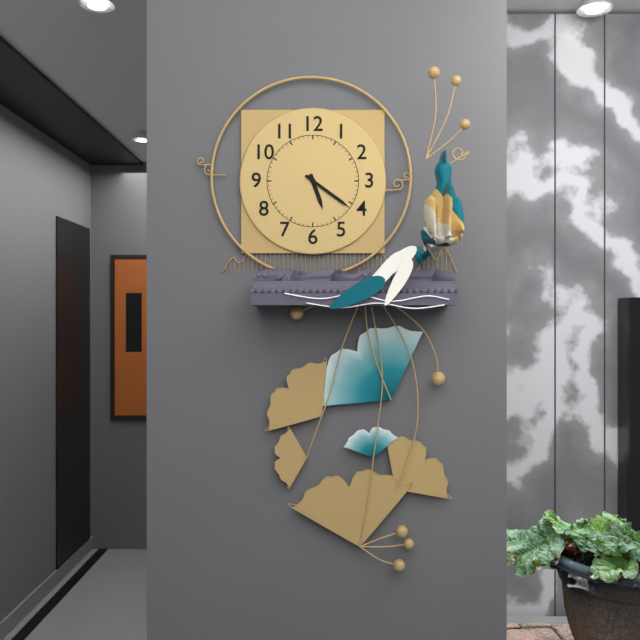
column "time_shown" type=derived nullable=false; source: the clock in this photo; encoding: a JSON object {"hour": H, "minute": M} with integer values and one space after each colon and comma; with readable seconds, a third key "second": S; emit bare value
{"hour": 5, "minute": 21}
